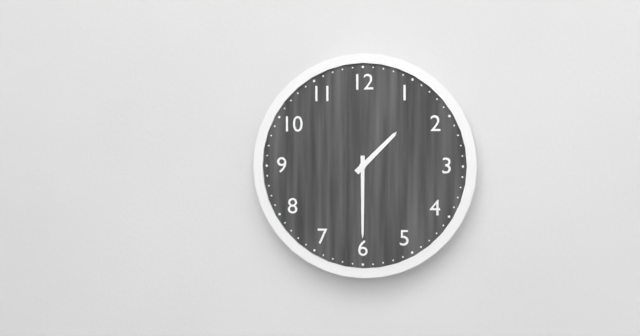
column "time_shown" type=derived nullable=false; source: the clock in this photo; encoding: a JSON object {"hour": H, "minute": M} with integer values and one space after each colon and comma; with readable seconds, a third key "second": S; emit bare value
{"hour": 1, "minute": 30}
